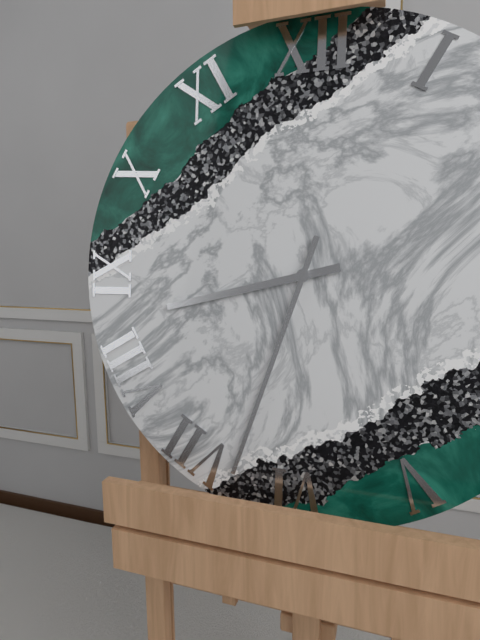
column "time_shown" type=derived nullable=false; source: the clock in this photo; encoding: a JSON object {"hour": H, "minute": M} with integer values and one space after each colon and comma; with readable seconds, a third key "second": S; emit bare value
{"hour": 8, "minute": 33}
